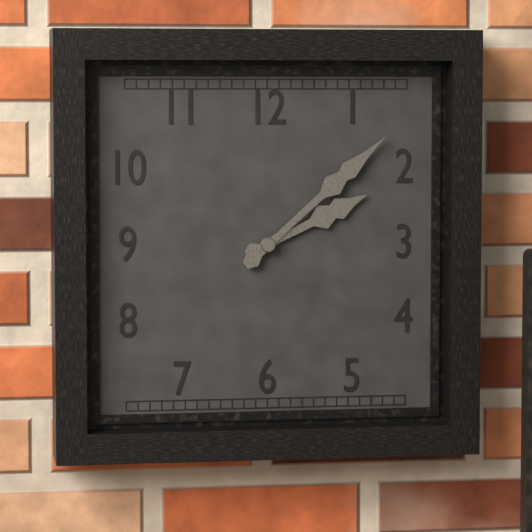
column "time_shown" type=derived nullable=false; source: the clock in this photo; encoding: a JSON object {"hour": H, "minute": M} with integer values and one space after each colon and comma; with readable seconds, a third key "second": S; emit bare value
{"hour": 2, "minute": 8}
